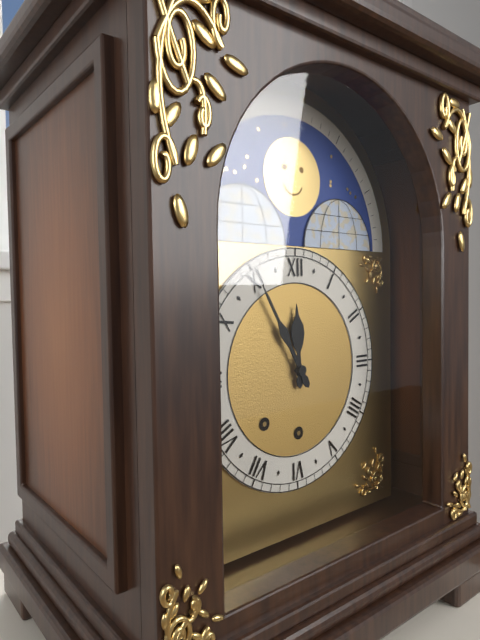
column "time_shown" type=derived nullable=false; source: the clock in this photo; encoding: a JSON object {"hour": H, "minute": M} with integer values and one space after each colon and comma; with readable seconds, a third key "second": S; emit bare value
{"hour": 11, "minute": 55}
